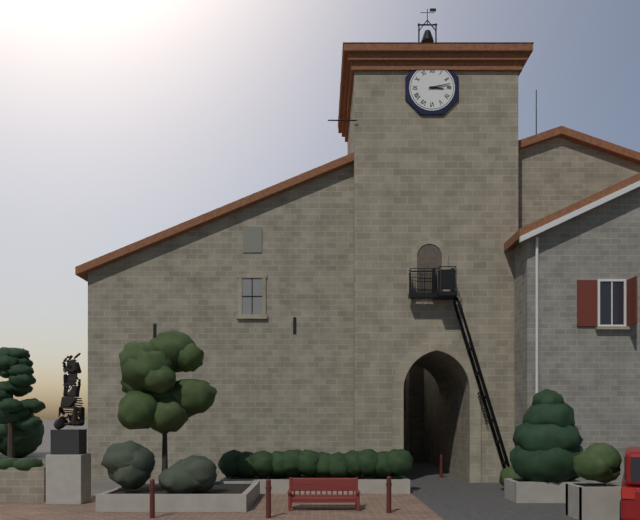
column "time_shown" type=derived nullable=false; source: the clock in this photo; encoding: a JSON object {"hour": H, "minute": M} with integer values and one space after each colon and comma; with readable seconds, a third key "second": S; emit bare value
{"hour": 3, "minute": 13}
